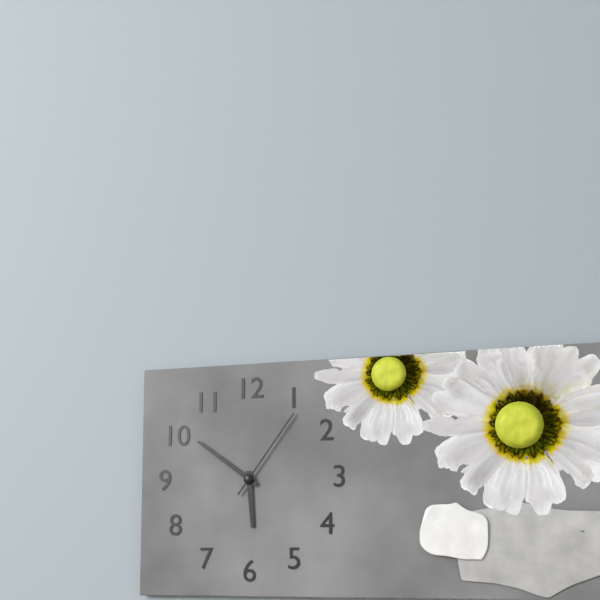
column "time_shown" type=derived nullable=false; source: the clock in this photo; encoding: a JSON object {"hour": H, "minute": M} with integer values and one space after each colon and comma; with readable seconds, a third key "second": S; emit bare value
{"hour": 5, "minute": 51, "second": 6}
